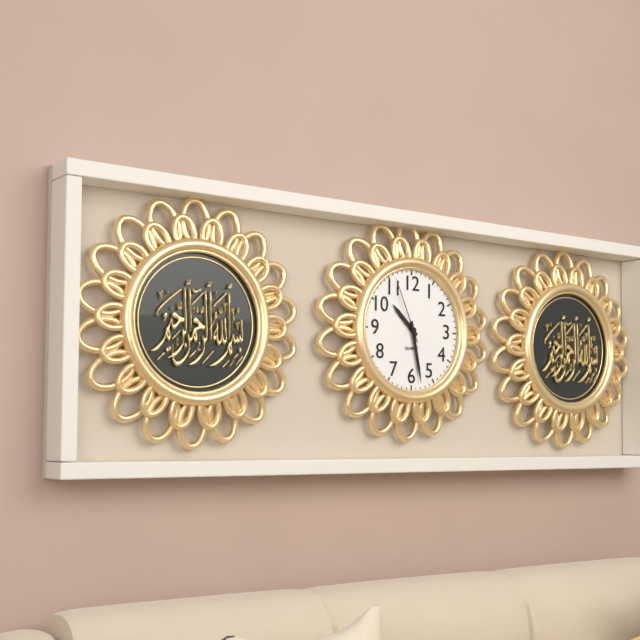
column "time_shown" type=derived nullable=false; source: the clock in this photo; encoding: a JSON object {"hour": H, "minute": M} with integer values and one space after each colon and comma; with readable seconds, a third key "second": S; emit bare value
{"hour": 10, "minute": 28, "second": 56}
